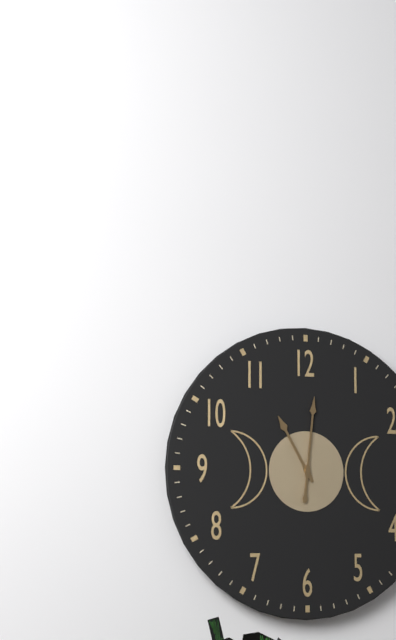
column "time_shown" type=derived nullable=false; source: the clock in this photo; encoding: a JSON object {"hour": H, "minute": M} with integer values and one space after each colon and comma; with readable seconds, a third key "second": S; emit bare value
{"hour": 11, "minute": 1}
